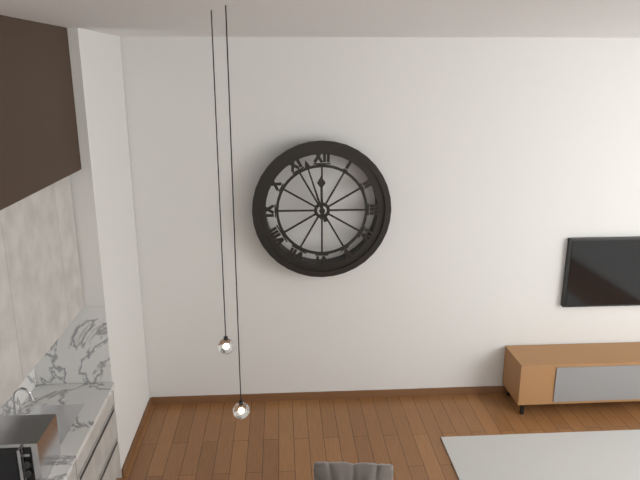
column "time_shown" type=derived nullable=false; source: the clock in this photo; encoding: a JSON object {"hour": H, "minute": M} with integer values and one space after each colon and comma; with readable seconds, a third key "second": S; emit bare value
{"hour": 11, "minute": 57}
